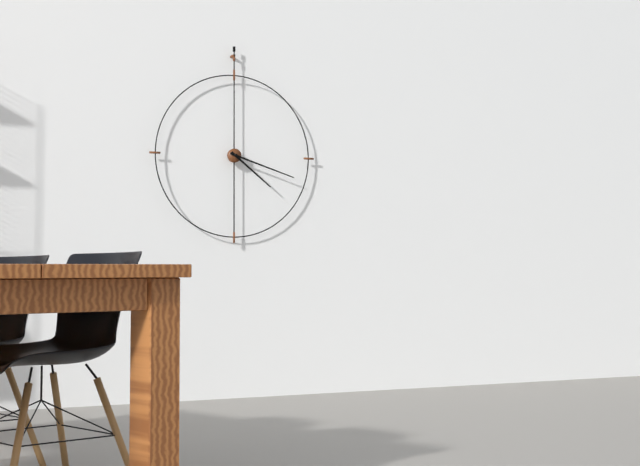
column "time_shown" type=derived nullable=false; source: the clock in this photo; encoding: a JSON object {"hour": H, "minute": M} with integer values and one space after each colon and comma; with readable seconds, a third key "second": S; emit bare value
{"hour": 4, "minute": 18}
